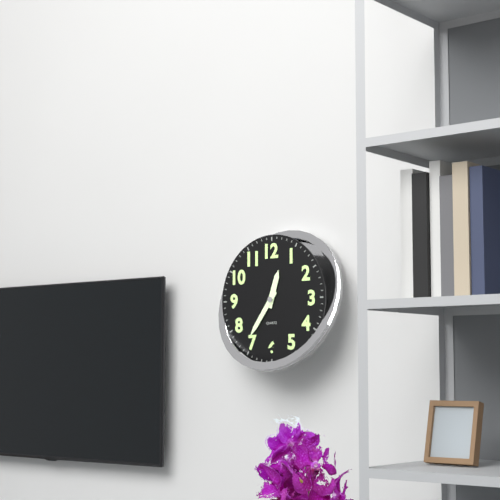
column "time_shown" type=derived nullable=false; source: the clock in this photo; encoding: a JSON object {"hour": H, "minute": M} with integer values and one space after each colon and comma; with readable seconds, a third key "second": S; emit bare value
{"hour": 12, "minute": 36}
